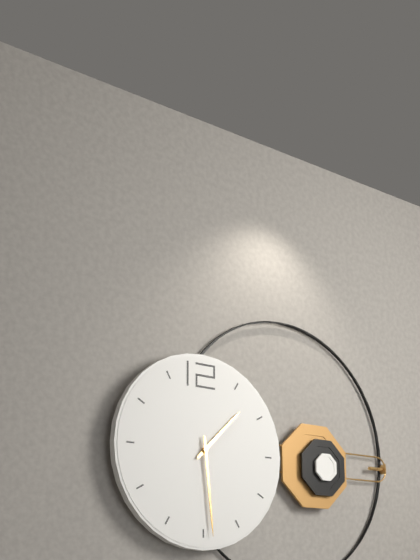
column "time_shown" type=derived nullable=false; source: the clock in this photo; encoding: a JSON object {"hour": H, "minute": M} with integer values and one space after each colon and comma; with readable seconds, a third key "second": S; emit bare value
{"hour": 1, "minute": 29}
